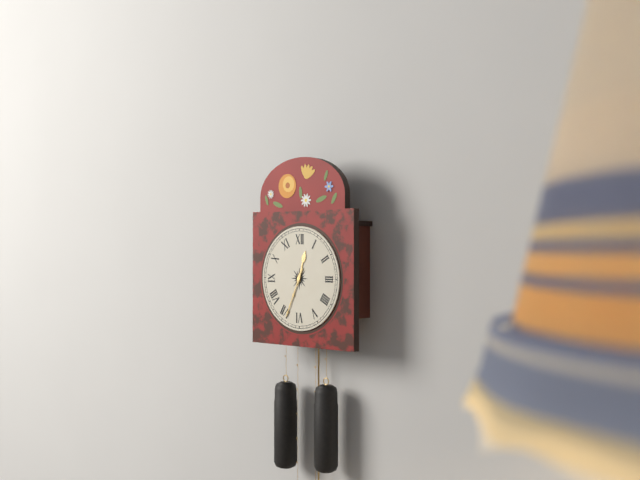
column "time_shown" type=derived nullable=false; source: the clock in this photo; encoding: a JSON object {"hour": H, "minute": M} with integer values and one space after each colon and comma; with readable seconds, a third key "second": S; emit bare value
{"hour": 12, "minute": 34}
